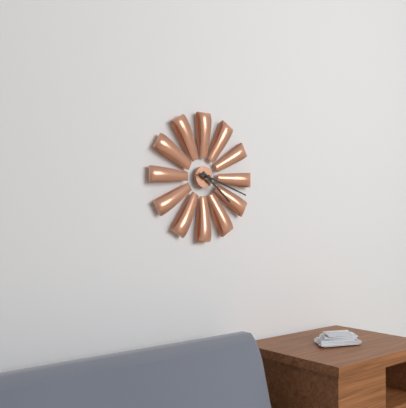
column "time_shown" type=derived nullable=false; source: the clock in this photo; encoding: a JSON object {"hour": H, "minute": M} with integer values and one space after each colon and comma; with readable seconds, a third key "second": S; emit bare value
{"hour": 4, "minute": 18}
